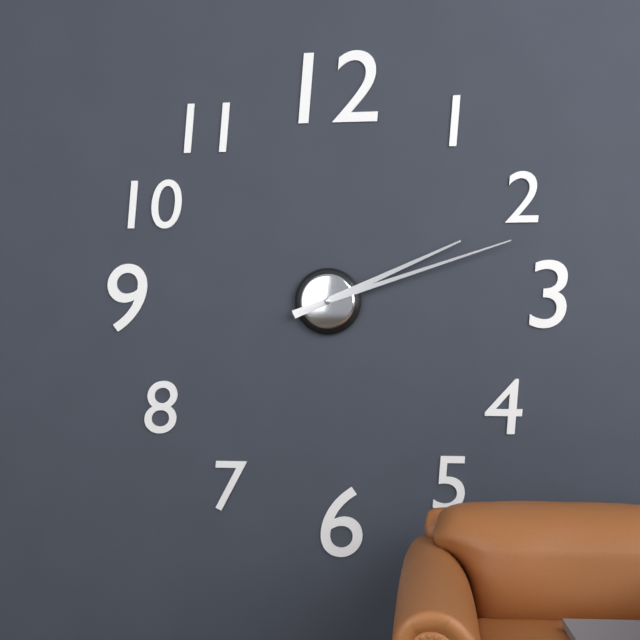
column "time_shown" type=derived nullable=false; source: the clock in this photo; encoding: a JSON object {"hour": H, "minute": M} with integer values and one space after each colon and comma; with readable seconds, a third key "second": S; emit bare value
{"hour": 2, "minute": 12}
